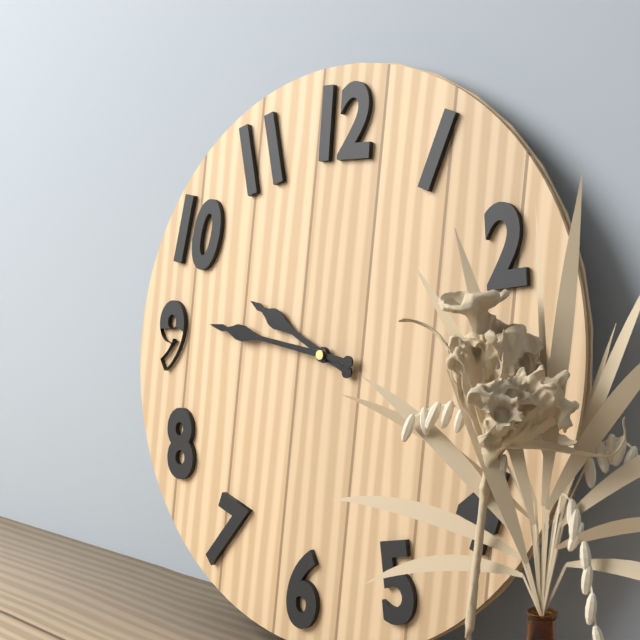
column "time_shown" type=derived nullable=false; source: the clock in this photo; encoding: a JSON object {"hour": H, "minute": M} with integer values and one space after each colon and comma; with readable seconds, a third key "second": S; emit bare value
{"hour": 9, "minute": 46}
